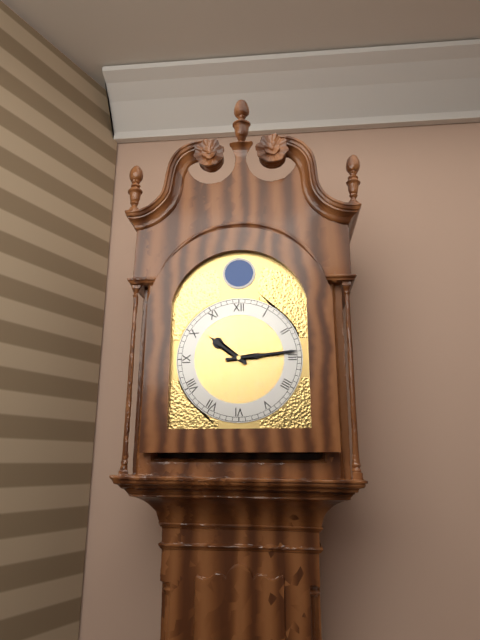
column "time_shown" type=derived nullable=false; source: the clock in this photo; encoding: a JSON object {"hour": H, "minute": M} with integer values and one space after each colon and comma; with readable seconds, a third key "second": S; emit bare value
{"hour": 10, "minute": 14}
